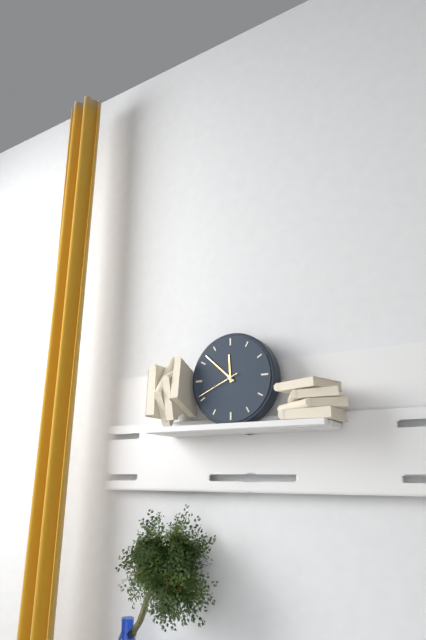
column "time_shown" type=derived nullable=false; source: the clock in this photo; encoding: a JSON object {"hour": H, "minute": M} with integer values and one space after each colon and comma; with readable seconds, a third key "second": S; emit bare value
{"hour": 11, "minute": 52}
